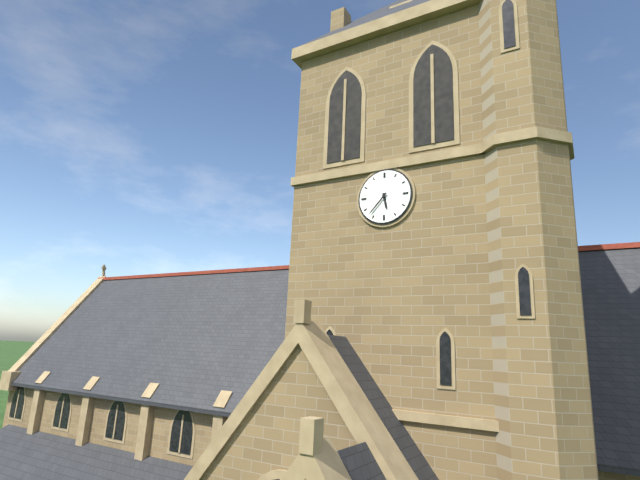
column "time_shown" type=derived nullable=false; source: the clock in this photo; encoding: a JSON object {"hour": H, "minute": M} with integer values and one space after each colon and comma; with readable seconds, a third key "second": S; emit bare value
{"hour": 5, "minute": 37}
